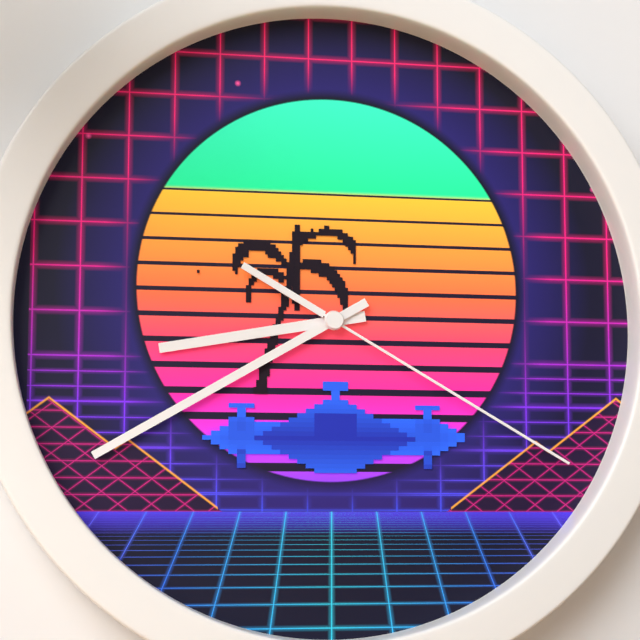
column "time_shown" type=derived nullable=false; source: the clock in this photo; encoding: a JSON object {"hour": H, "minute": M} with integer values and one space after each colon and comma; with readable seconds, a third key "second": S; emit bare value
{"hour": 8, "minute": 40, "second": 20}
